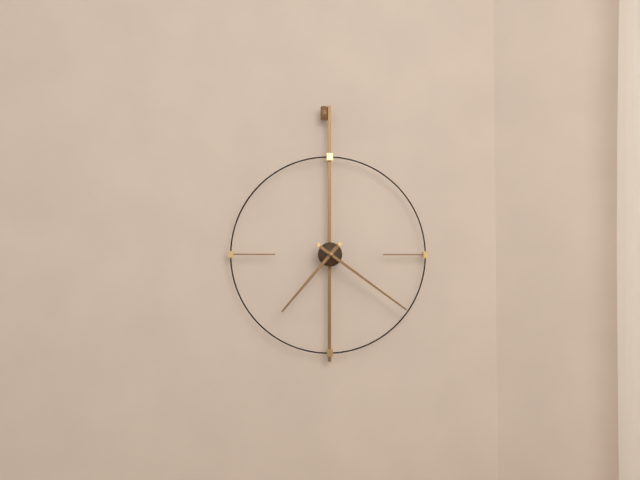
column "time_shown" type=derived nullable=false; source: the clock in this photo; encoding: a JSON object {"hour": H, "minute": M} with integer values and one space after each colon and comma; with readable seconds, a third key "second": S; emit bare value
{"hour": 7, "minute": 21}
